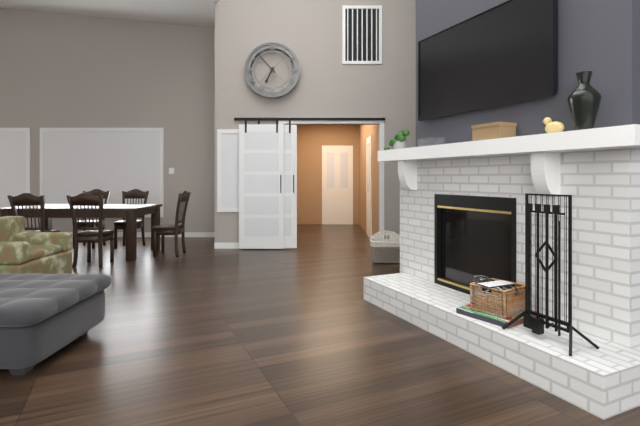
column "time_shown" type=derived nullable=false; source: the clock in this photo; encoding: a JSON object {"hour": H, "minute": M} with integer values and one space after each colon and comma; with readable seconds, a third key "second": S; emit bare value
{"hour": 6, "minute": 53}
